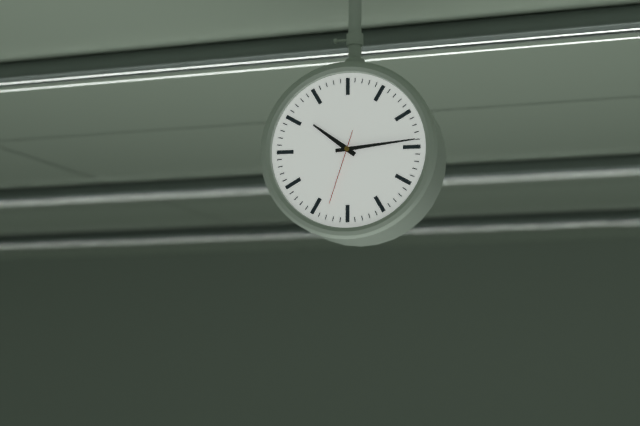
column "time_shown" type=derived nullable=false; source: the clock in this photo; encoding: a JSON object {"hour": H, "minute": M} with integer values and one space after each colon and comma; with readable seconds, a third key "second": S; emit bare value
{"hour": 10, "minute": 14, "second": 33}
